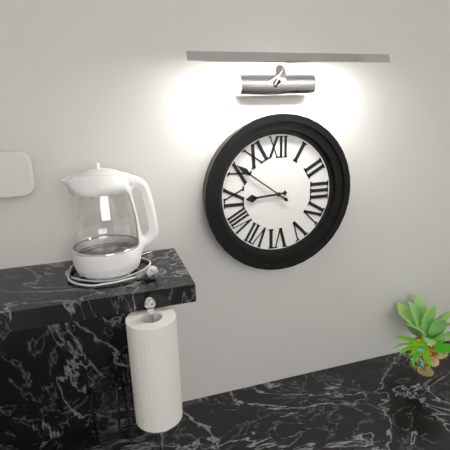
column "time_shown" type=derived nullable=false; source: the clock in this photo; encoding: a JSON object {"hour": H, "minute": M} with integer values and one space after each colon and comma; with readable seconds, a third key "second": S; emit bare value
{"hour": 8, "minute": 51}
